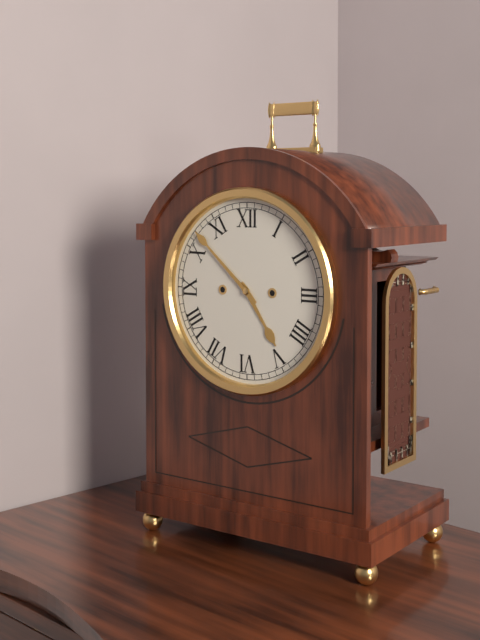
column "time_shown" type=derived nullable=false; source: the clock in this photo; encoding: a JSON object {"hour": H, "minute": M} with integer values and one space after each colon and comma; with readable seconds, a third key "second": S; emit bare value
{"hour": 4, "minute": 52}
